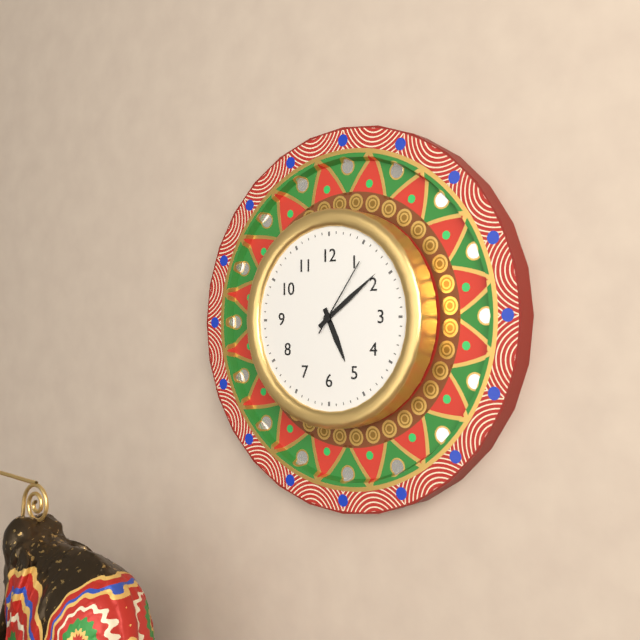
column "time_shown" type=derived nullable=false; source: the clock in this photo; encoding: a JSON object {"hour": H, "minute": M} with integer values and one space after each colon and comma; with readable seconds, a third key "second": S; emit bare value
{"hour": 5, "minute": 9, "second": 6}
